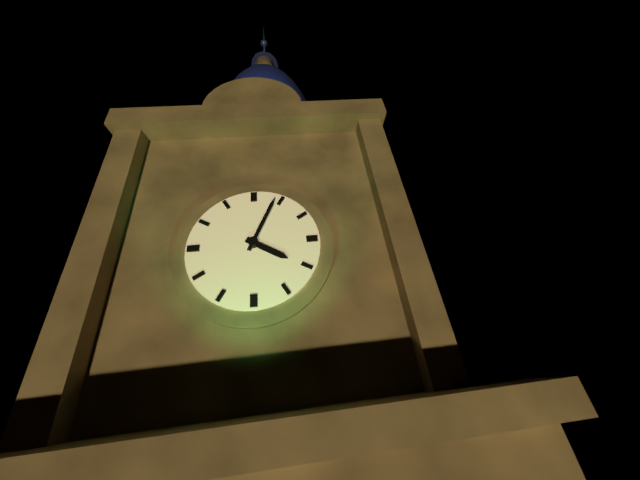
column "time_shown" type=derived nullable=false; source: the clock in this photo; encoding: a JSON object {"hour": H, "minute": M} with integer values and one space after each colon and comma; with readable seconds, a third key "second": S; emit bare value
{"hour": 4, "minute": 4}
